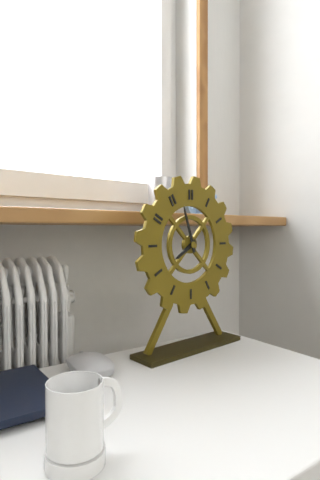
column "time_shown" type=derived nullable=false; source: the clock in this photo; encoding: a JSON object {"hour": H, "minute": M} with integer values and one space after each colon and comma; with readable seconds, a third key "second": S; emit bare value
{"hour": 7, "minute": 57}
